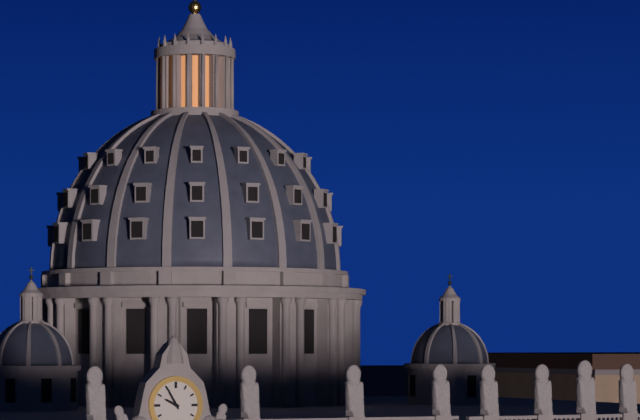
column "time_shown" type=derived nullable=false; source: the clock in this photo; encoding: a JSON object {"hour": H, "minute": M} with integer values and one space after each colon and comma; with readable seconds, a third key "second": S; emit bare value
{"hour": 9, "minute": 55}
